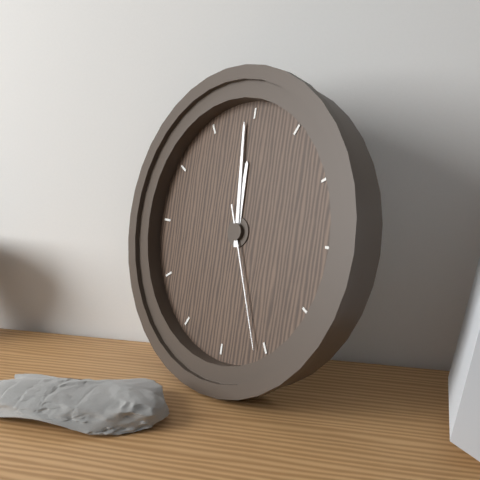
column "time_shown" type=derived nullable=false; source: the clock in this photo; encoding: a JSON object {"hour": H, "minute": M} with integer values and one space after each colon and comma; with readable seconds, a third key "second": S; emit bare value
{"hour": 11, "minute": 59, "second": 26}
